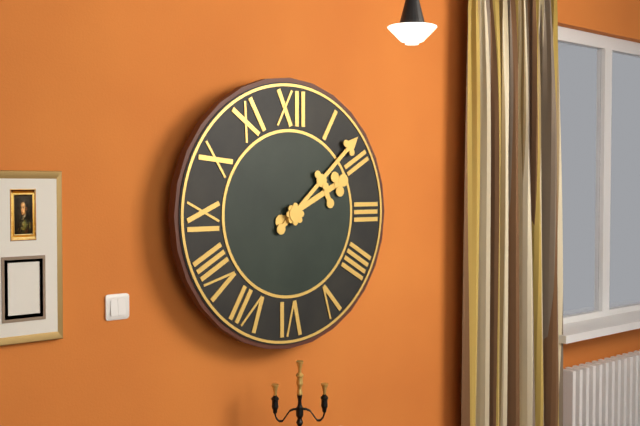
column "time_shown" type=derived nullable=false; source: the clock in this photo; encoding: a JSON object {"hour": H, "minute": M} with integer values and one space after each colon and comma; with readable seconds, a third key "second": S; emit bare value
{"hour": 2, "minute": 8}
